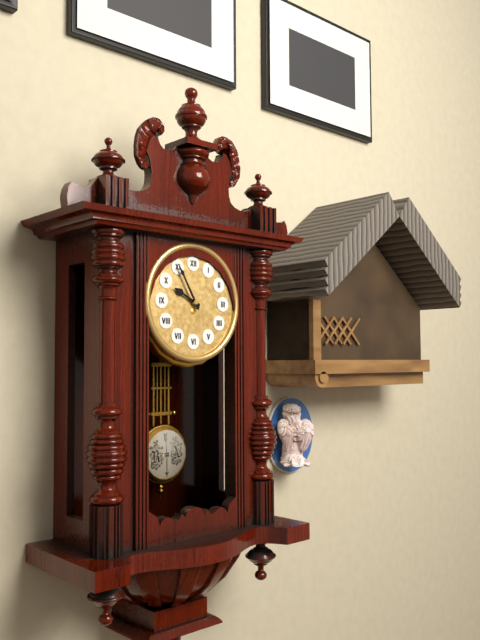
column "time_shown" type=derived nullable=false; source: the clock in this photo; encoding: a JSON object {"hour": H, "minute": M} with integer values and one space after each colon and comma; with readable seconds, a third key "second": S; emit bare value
{"hour": 9, "minute": 55}
